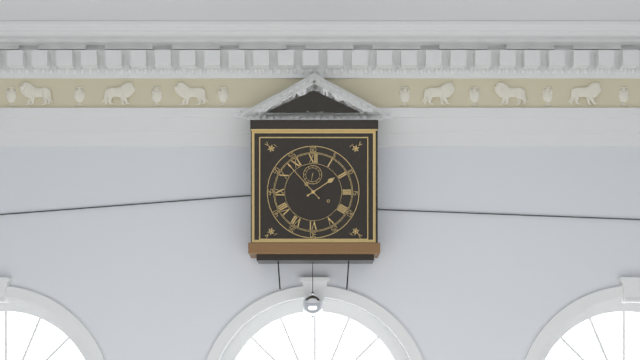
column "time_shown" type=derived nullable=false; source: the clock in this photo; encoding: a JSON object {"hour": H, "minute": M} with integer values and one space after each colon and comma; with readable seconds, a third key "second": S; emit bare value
{"hour": 1, "minute": 53}
